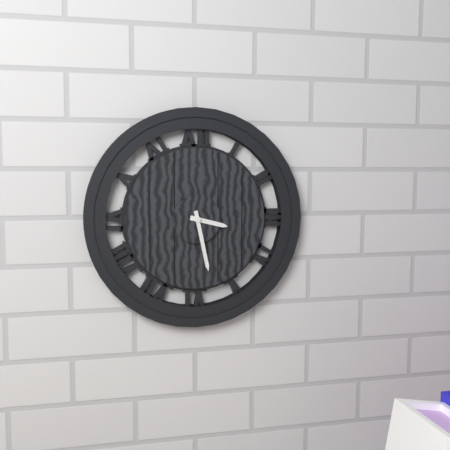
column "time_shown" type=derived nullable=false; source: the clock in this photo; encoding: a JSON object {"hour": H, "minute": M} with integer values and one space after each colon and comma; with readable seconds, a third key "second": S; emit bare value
{"hour": 3, "minute": 28}
